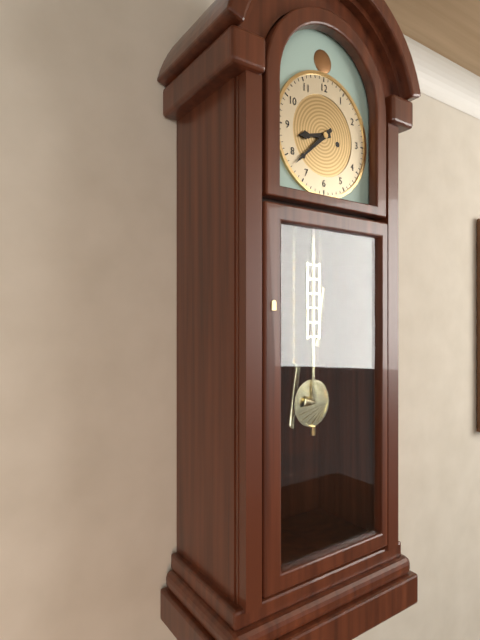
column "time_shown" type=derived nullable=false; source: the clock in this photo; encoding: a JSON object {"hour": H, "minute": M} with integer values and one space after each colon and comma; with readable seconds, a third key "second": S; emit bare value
{"hour": 8, "minute": 38}
